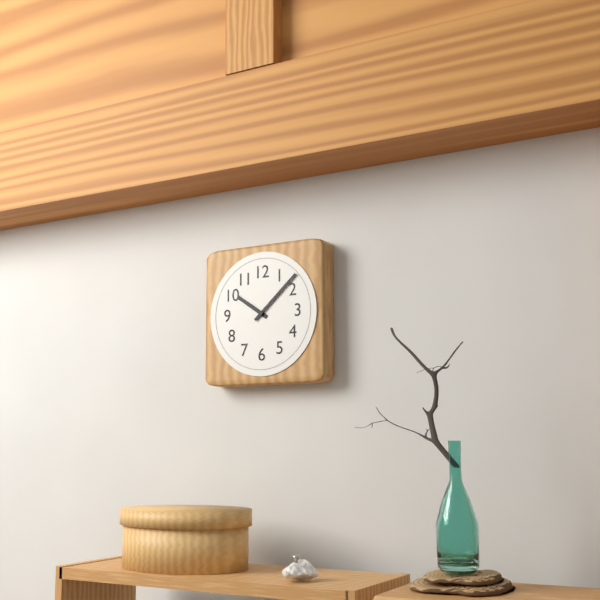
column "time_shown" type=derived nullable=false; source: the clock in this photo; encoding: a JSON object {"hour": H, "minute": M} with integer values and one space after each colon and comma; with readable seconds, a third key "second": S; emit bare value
{"hour": 10, "minute": 8}
